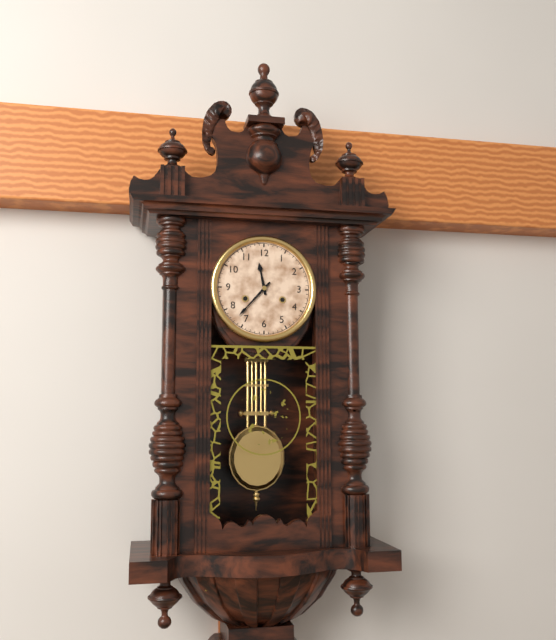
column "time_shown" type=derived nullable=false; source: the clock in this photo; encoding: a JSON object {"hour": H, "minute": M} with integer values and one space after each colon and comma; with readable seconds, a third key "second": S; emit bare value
{"hour": 11, "minute": 37}
